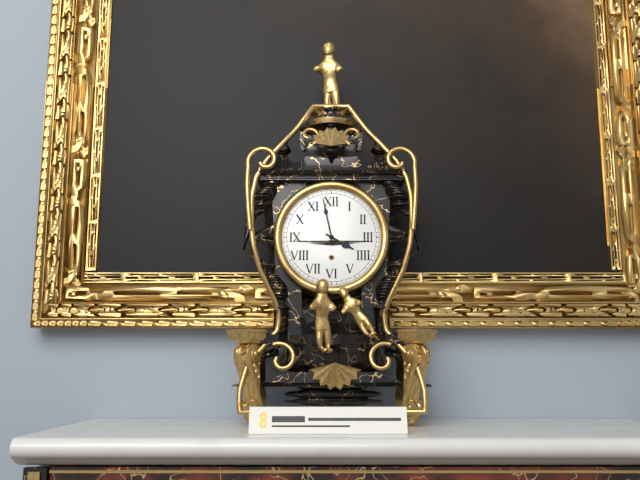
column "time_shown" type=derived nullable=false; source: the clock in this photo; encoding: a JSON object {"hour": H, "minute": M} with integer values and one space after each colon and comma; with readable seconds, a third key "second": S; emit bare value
{"hour": 3, "minute": 58}
